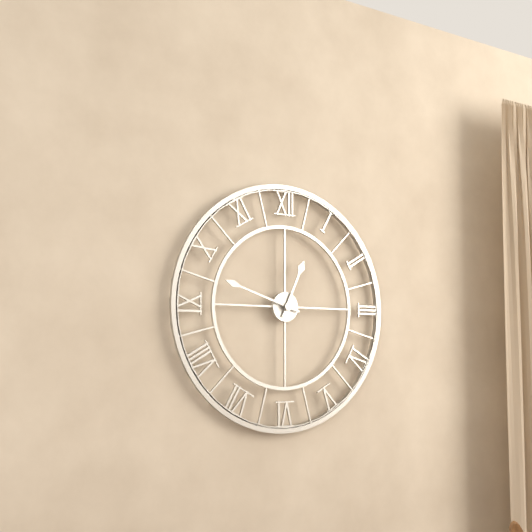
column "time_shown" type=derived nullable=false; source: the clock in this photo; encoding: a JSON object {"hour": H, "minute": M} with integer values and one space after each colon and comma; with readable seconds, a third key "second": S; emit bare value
{"hour": 12, "minute": 48}
